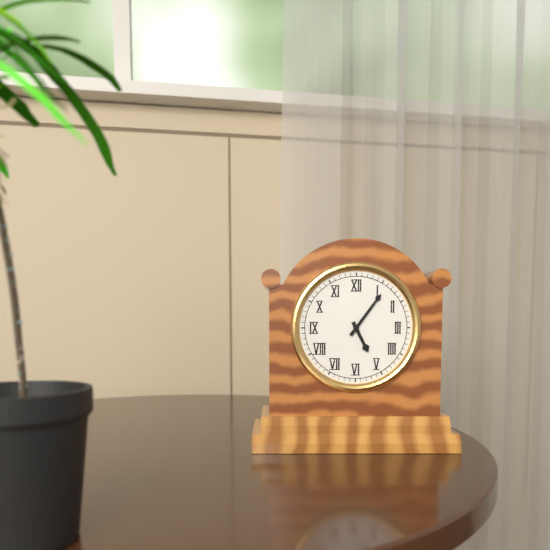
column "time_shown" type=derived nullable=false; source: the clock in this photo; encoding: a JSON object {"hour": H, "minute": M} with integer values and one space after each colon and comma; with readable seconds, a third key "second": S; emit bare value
{"hour": 5, "minute": 6}
